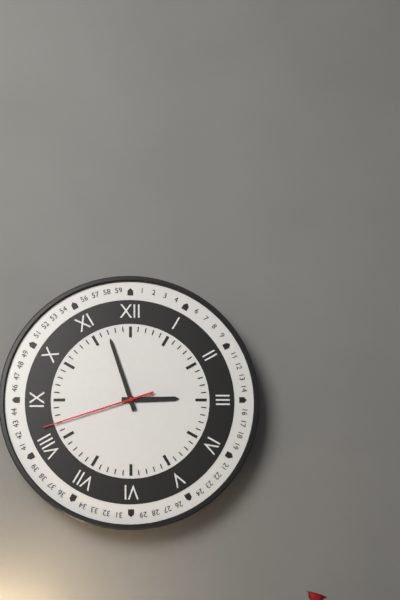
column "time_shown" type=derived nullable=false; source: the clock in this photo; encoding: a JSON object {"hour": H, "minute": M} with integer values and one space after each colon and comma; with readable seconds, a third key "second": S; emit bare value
{"hour": 2, "minute": 57, "second": 42}
